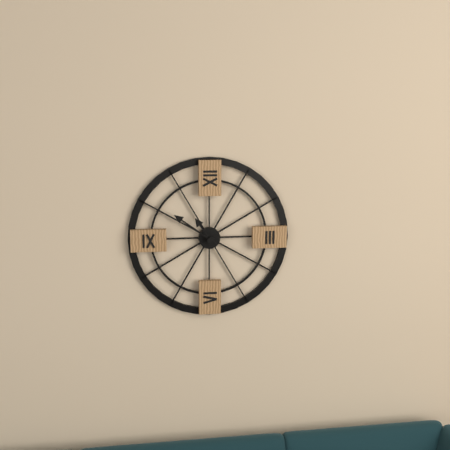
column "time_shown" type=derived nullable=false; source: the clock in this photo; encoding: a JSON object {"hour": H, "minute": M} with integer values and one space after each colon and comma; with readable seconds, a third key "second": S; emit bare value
{"hour": 10, "minute": 51}
